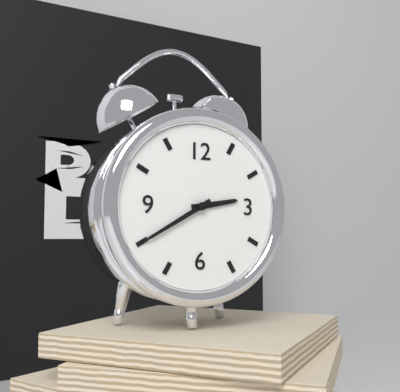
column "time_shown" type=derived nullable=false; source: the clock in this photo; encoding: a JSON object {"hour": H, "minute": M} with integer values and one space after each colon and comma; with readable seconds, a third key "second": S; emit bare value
{"hour": 2, "minute": 40}
